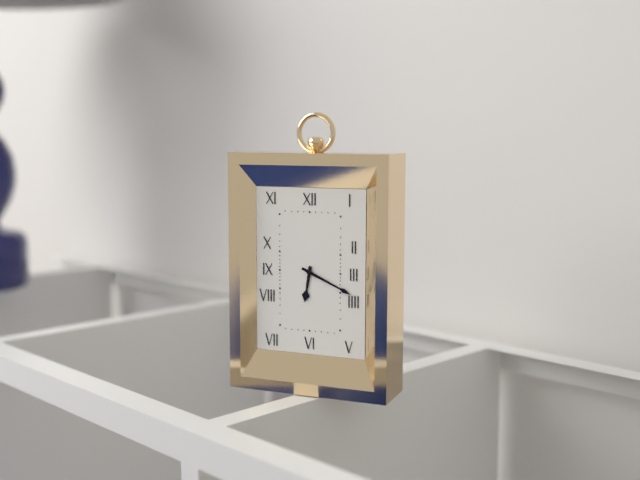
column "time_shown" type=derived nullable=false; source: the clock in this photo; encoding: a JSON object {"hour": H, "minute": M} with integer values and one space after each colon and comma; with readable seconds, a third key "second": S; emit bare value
{"hour": 6, "minute": 19}
